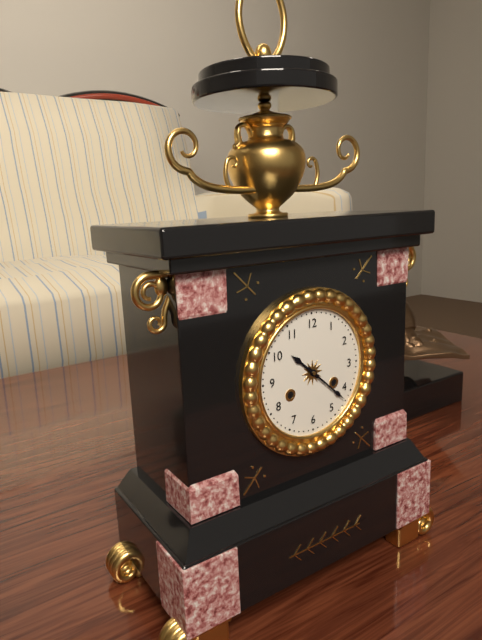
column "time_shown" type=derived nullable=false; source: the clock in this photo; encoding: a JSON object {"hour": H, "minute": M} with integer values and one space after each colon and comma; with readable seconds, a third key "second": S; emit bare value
{"hour": 10, "minute": 22}
